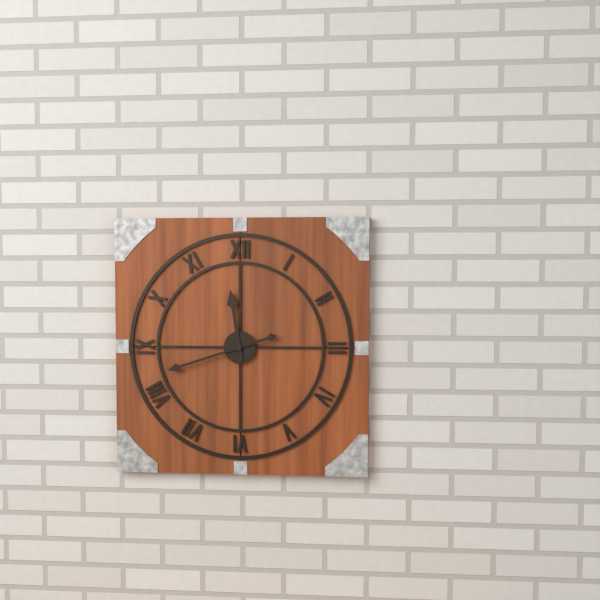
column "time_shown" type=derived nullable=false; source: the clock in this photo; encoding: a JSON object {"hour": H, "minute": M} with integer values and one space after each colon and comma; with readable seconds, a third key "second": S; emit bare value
{"hour": 11, "minute": 42}
